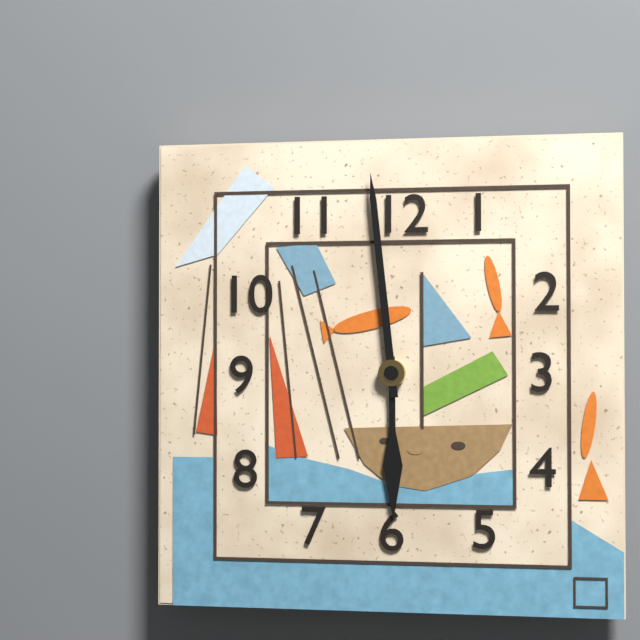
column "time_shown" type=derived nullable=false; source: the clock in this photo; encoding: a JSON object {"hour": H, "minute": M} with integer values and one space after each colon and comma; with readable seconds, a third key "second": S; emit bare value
{"hour": 5, "minute": 59}
